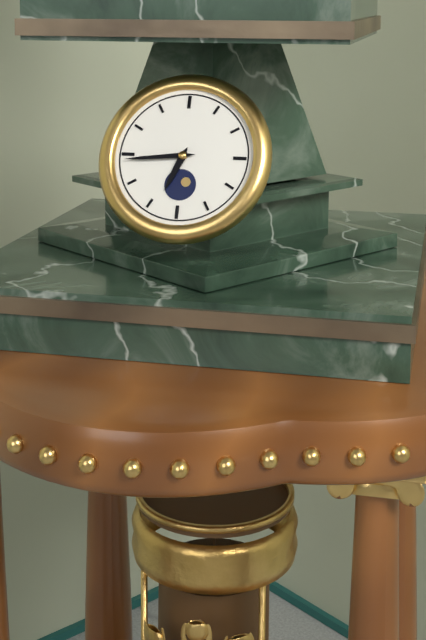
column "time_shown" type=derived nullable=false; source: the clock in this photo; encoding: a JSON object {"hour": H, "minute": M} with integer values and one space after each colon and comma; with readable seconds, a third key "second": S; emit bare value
{"hour": 6, "minute": 44}
